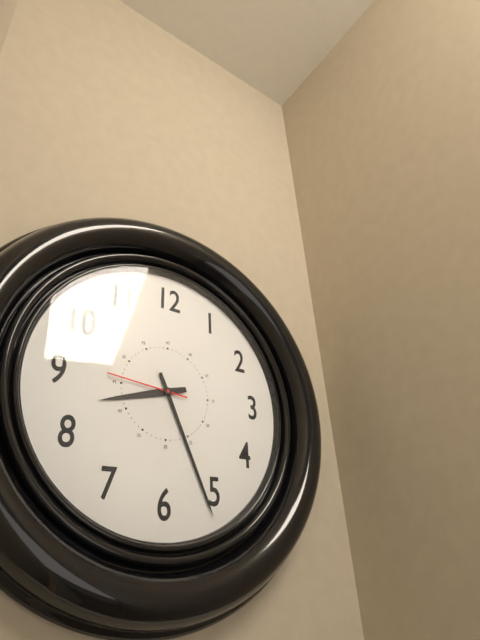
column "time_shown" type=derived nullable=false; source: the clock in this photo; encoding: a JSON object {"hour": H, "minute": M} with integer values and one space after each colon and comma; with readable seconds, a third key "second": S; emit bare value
{"hour": 8, "minute": 26, "second": 46}
